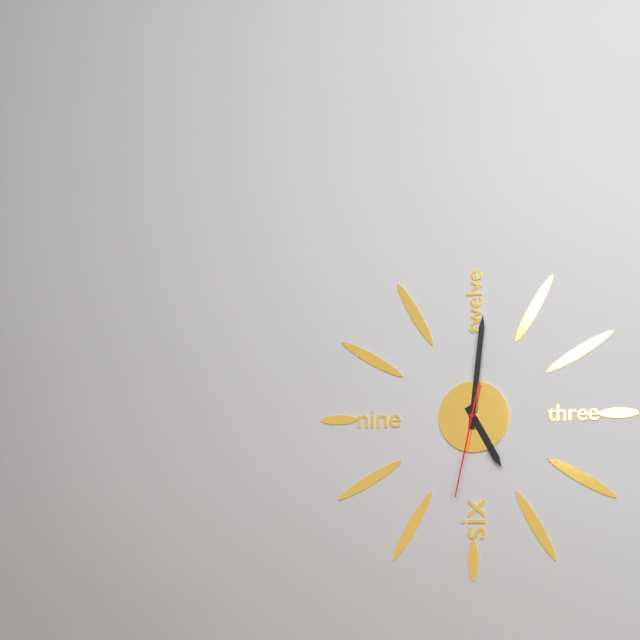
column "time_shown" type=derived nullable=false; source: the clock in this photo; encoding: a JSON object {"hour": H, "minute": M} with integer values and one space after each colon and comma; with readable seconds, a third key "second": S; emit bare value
{"hour": 5, "minute": 1, "second": 32}
